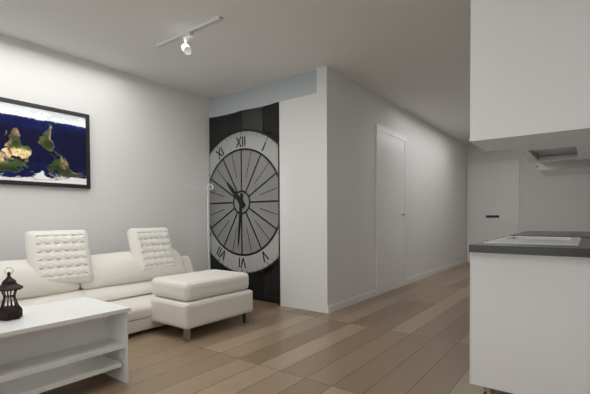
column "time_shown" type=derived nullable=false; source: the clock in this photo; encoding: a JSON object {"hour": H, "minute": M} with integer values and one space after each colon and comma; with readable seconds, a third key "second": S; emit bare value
{"hour": 10, "minute": 31}
